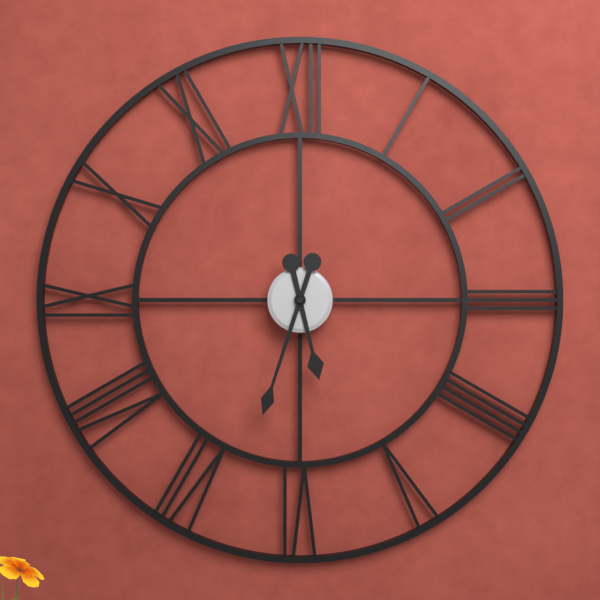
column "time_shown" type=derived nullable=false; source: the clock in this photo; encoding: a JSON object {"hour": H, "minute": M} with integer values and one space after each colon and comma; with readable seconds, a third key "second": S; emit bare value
{"hour": 5, "minute": 33}
